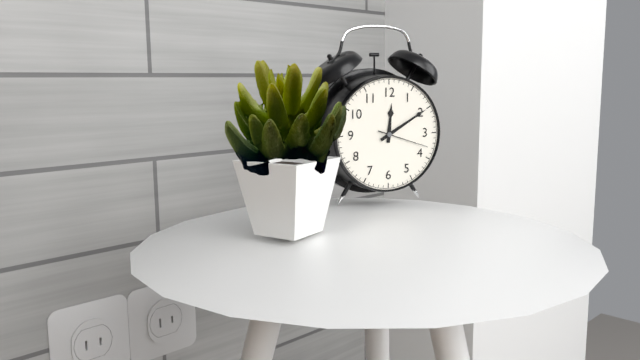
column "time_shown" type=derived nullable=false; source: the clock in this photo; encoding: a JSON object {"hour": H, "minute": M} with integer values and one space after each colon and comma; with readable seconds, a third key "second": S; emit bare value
{"hour": 12, "minute": 10, "second": 18}
